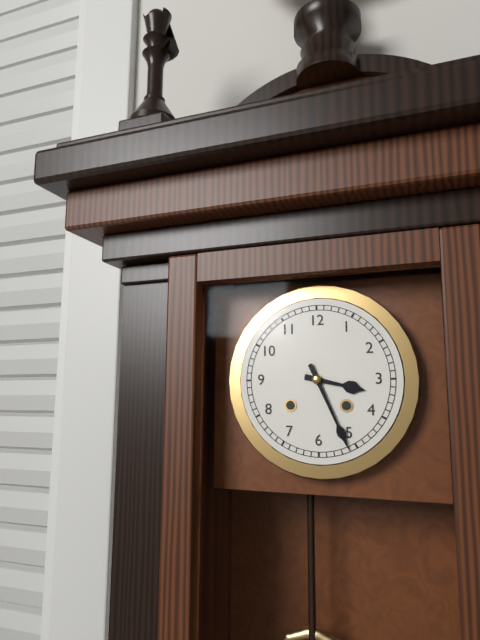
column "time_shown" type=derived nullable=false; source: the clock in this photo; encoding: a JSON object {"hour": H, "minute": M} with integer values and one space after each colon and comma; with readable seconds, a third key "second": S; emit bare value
{"hour": 3, "minute": 26}
